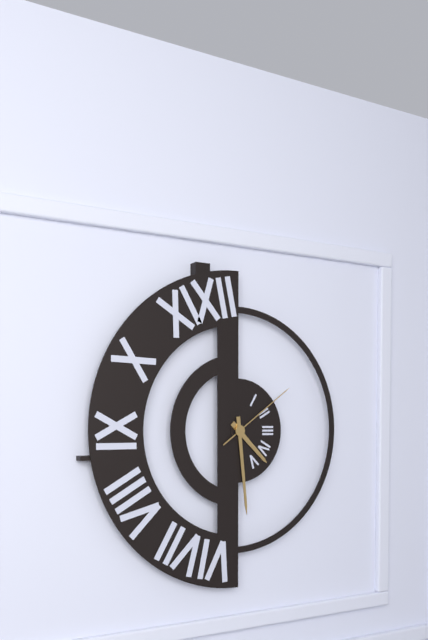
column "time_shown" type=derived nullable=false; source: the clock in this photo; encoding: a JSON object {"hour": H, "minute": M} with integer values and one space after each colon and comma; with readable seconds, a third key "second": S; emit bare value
{"hour": 4, "minute": 29, "second": 9}
